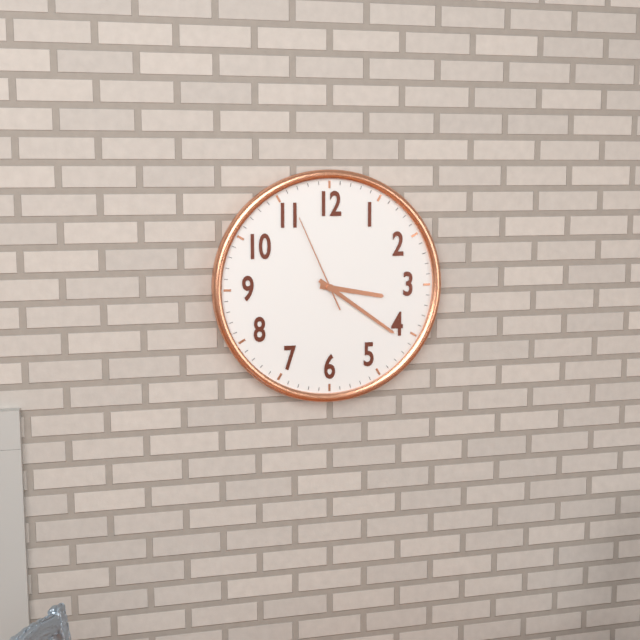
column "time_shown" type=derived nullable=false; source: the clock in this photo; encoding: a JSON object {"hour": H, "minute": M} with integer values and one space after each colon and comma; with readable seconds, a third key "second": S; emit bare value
{"hour": 3, "minute": 21, "second": 56}
